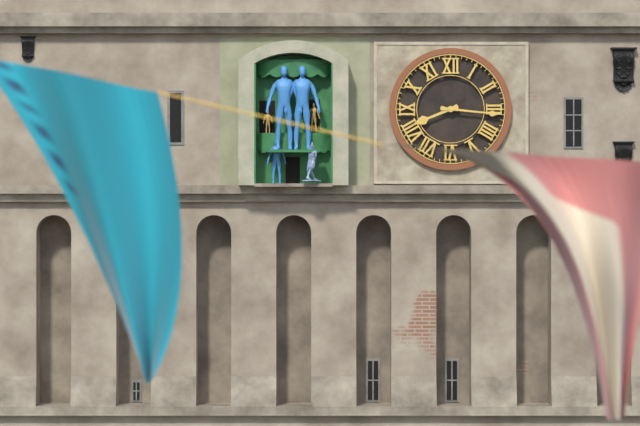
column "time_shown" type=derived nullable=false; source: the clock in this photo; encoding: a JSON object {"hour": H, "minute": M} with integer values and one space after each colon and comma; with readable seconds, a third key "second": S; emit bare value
{"hour": 8, "minute": 16}
